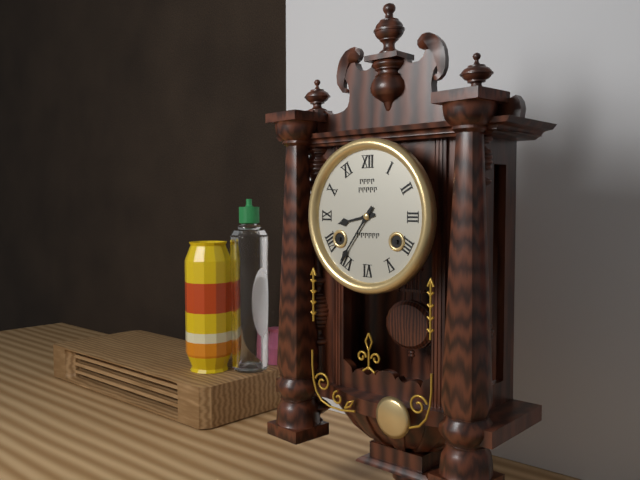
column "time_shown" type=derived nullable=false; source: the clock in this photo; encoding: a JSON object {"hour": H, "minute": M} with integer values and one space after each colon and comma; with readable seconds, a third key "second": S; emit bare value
{"hour": 8, "minute": 36}
